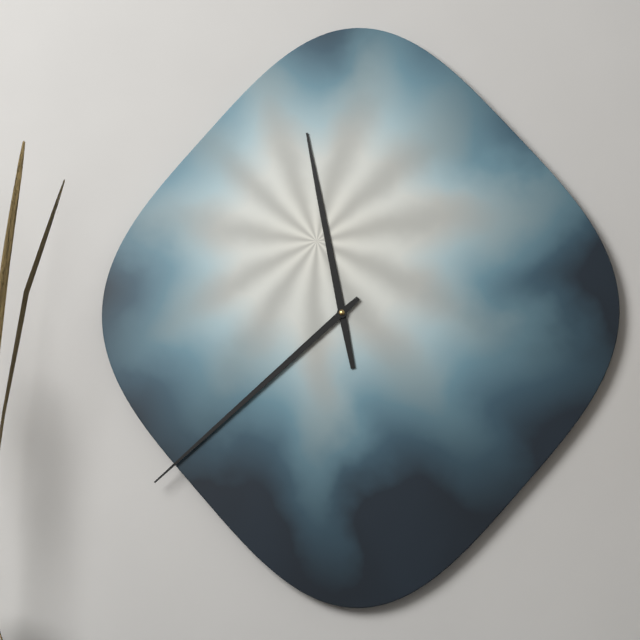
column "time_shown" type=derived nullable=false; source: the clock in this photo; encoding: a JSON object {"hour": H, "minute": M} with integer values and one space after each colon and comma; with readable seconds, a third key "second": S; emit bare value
{"hour": 11, "minute": 38}
